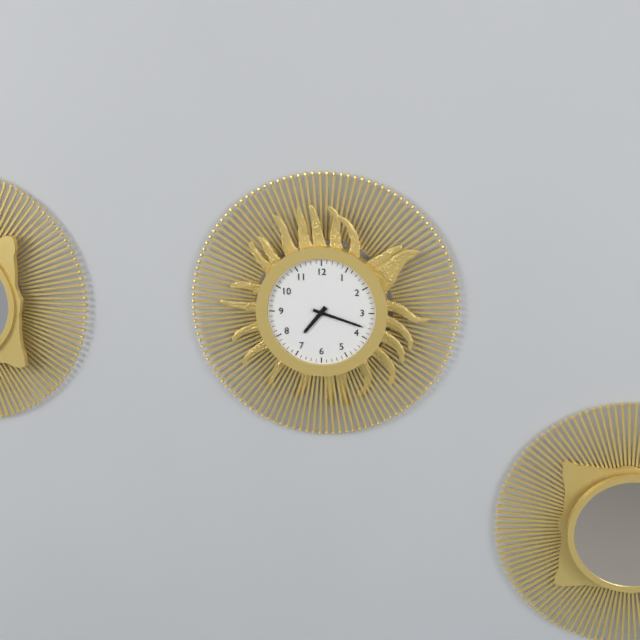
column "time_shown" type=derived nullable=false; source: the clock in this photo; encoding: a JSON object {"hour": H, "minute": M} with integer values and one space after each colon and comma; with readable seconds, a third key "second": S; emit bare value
{"hour": 7, "minute": 18}
